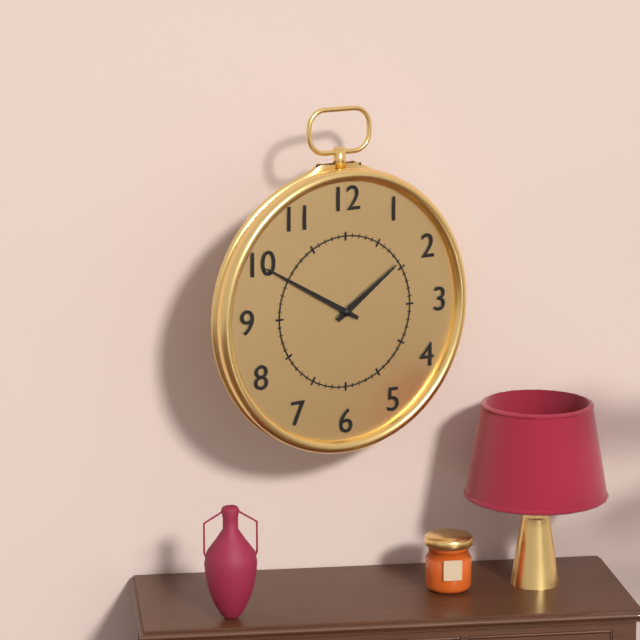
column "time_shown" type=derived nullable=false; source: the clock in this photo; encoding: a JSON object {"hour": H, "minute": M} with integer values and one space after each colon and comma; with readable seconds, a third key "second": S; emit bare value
{"hour": 1, "minute": 50}
